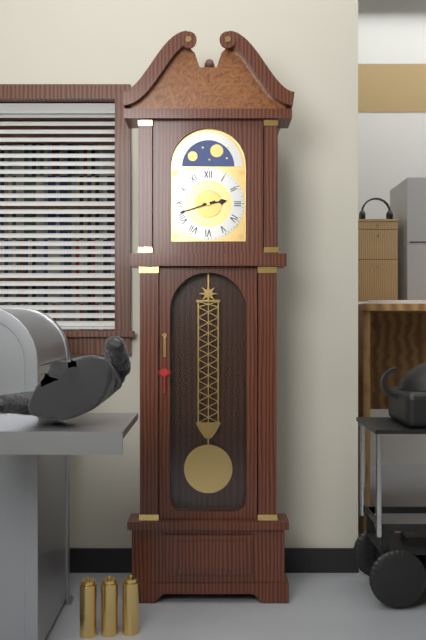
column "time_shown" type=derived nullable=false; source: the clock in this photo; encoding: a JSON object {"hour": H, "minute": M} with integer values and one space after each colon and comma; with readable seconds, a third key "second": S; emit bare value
{"hour": 2, "minute": 42}
